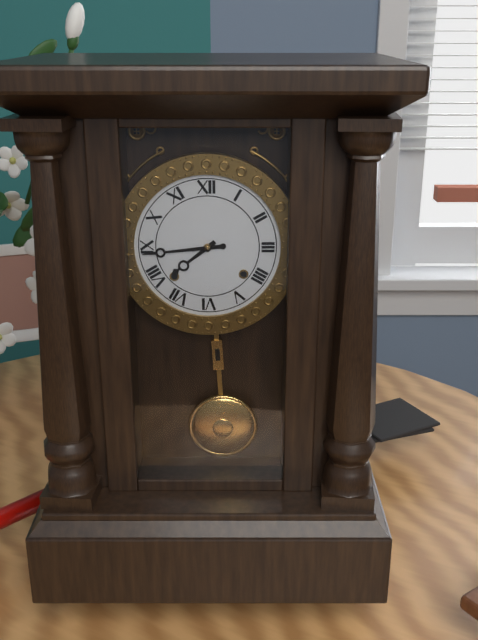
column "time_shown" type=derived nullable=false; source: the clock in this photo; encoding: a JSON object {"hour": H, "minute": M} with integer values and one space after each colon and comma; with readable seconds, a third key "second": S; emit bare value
{"hour": 7, "minute": 44}
